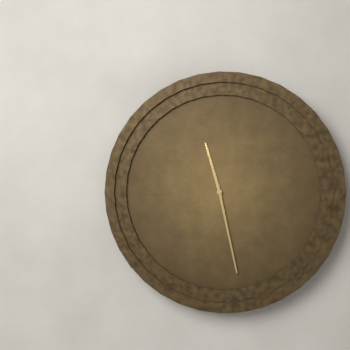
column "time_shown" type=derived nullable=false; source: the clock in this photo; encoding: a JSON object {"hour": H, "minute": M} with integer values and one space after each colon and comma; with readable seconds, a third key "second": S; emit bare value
{"hour": 11, "minute": 28}
